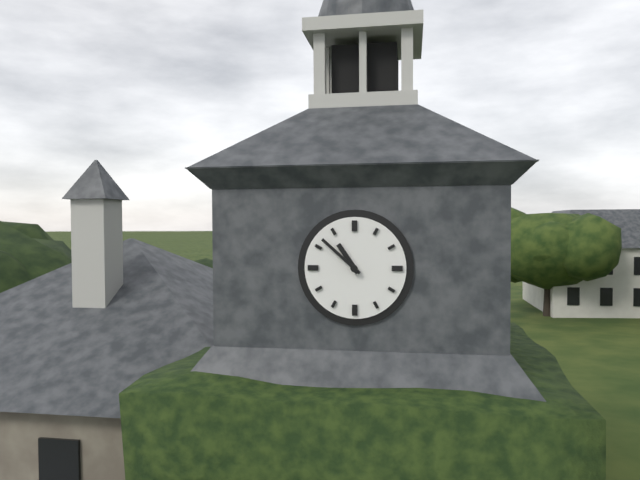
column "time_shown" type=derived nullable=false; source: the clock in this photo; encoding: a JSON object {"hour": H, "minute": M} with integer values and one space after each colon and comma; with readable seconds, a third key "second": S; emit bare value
{"hour": 10, "minute": 52}
